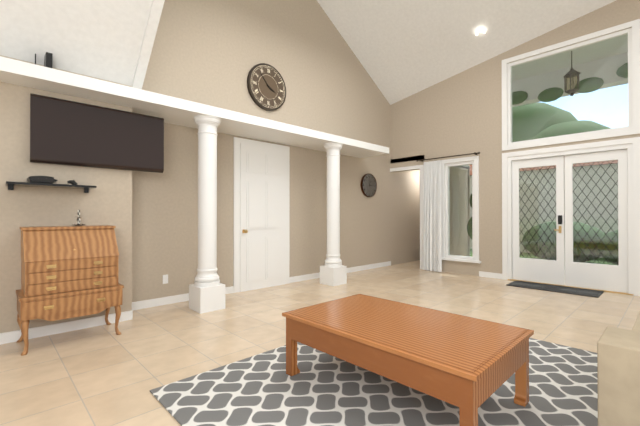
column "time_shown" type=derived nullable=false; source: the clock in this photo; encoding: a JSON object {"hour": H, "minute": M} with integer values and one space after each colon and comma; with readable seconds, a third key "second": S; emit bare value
{"hour": 3, "minute": 53}
